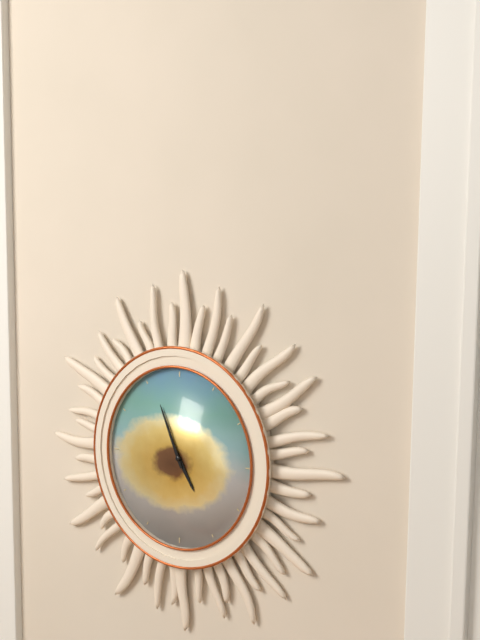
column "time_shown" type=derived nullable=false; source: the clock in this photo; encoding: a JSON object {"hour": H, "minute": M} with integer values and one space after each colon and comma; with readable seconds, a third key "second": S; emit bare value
{"hour": 4, "minute": 56}
